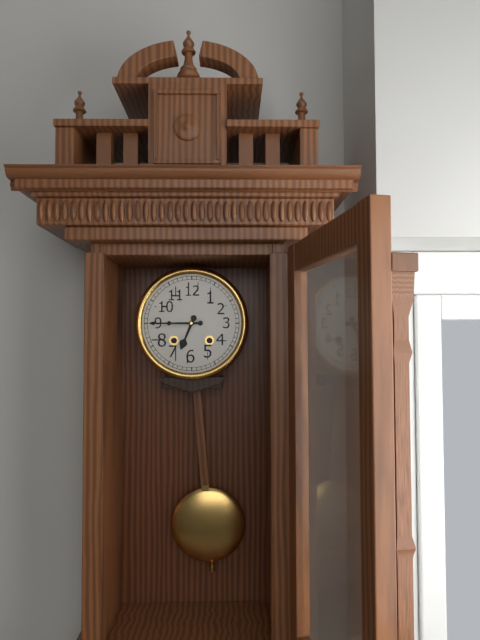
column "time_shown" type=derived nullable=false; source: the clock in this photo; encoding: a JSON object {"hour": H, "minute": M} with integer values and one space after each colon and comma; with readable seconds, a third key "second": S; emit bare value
{"hour": 6, "minute": 45}
